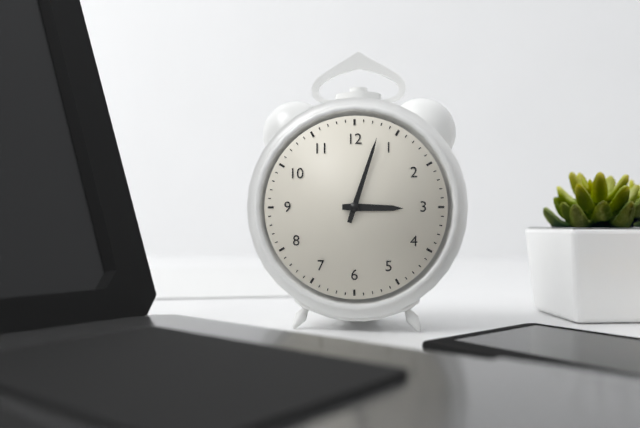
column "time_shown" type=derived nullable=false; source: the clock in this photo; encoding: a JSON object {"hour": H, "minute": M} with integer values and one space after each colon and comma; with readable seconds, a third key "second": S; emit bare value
{"hour": 3, "minute": 3}
